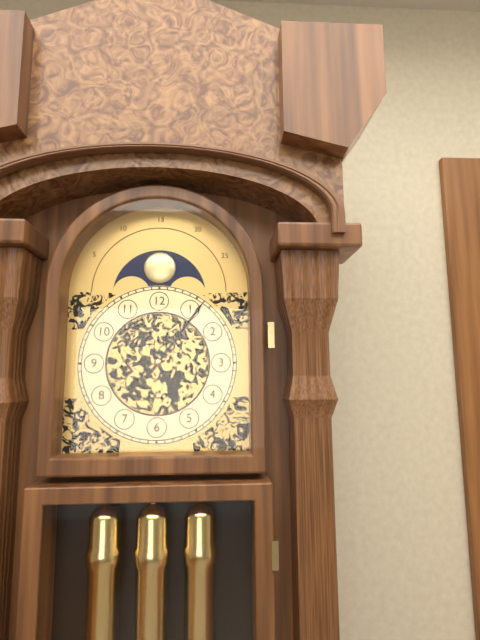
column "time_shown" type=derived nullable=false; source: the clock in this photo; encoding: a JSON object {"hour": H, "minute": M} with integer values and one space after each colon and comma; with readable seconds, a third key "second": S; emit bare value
{"hour": 5, "minute": 6}
